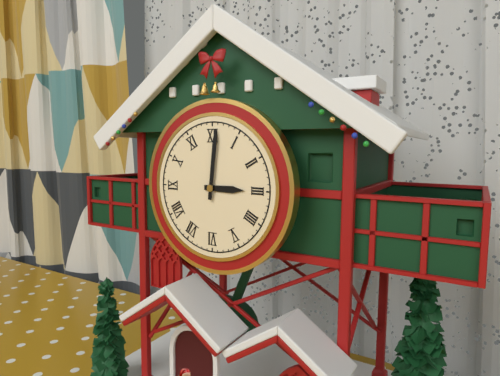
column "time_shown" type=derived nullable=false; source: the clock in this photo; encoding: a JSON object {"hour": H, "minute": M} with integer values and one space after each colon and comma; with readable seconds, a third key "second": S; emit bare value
{"hour": 3, "minute": 1}
